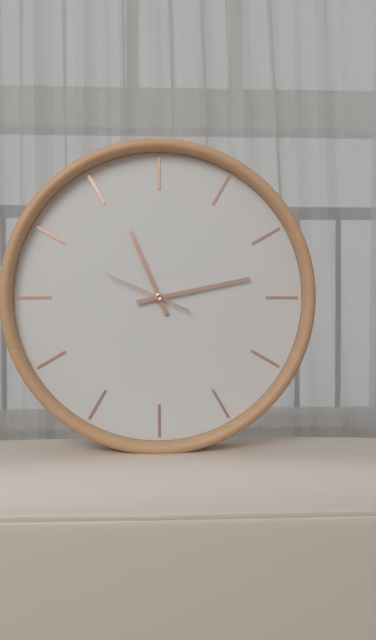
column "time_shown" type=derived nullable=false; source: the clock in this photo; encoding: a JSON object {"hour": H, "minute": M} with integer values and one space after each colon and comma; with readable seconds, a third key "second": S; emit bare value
{"hour": 11, "minute": 13, "second": 49}
